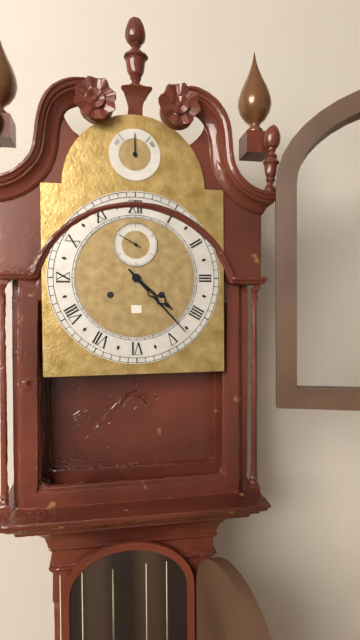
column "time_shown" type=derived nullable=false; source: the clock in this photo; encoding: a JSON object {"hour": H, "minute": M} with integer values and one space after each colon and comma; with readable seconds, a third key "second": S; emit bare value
{"hour": 4, "minute": 23}
